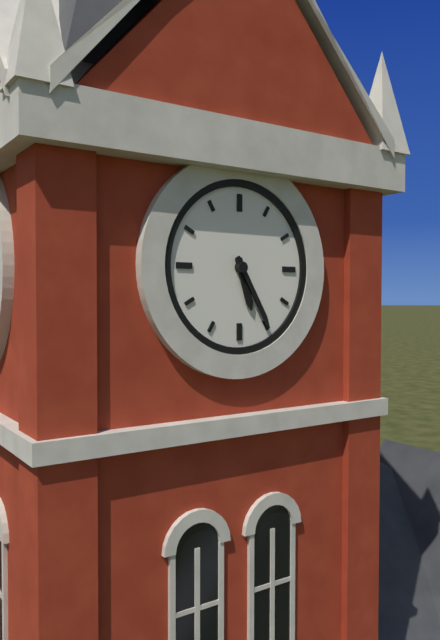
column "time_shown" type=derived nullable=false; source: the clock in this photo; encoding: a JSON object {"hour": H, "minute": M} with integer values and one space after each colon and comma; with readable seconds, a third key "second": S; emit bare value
{"hour": 5, "minute": 25}
